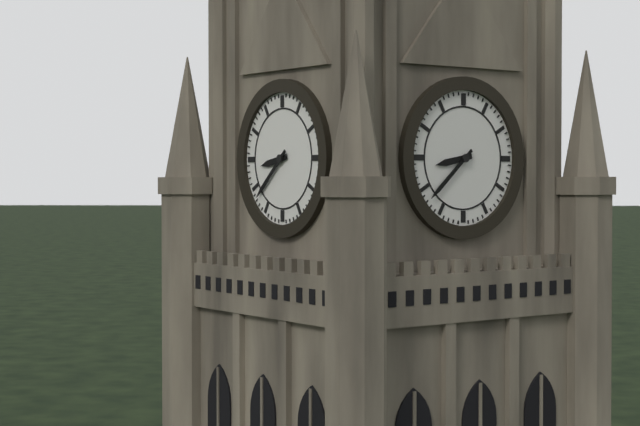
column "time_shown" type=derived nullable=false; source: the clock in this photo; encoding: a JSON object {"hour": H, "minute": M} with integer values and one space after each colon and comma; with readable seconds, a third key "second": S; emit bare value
{"hour": 8, "minute": 38}
